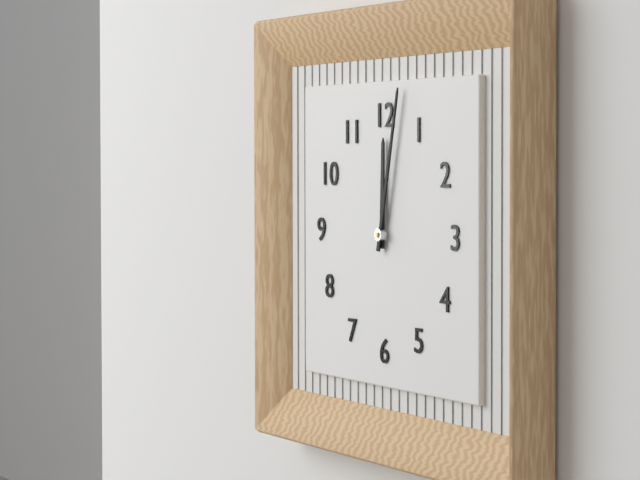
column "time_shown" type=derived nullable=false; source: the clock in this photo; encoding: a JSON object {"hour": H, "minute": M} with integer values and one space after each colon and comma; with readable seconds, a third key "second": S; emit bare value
{"hour": 12, "minute": 2}
